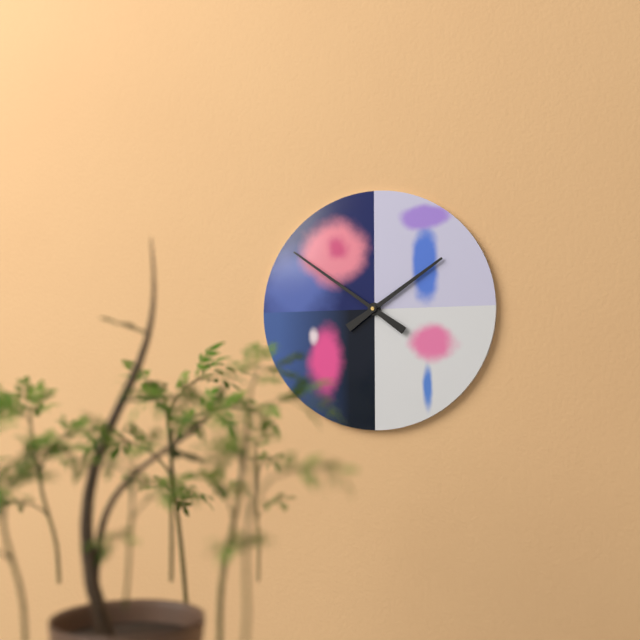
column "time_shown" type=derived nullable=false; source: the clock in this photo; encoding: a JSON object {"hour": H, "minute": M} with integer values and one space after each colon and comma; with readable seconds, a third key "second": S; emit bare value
{"hour": 1, "minute": 51}
